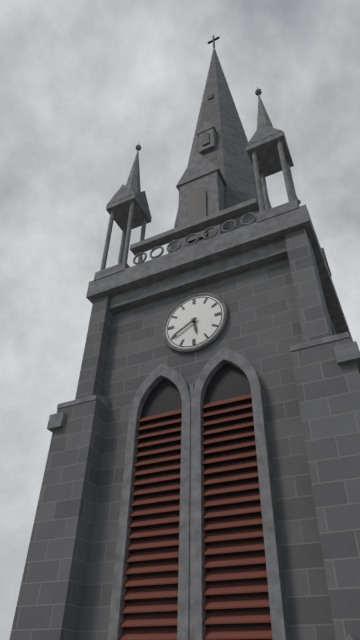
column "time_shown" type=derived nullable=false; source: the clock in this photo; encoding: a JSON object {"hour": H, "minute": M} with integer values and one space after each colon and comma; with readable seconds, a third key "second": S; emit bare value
{"hour": 5, "minute": 40}
